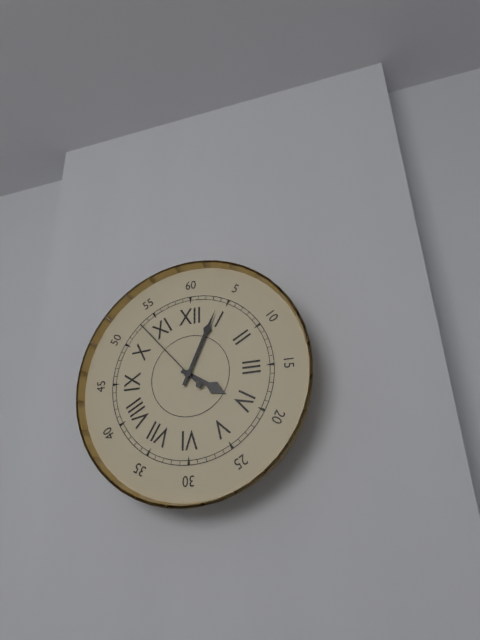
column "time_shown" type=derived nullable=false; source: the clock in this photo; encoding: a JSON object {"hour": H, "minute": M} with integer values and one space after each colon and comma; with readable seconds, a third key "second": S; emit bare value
{"hour": 4, "minute": 4, "second": 53}
